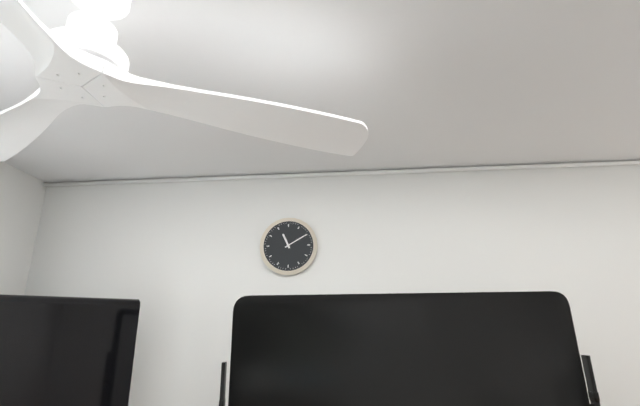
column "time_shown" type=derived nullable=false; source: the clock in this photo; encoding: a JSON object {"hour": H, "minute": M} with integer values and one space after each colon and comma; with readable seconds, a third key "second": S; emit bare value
{"hour": 11, "minute": 10}
